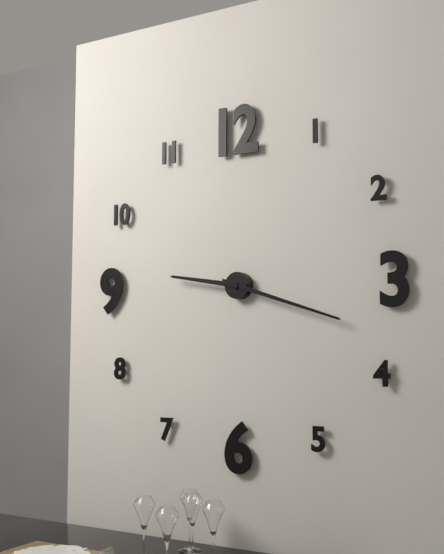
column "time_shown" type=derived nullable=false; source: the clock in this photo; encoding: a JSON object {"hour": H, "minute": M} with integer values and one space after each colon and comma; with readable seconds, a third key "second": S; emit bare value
{"hour": 9, "minute": 18}
